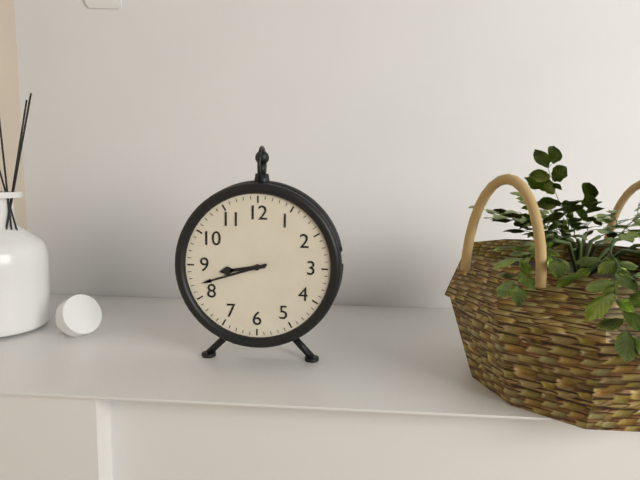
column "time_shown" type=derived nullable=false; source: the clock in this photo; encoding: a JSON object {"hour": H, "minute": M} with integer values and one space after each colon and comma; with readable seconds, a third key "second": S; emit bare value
{"hour": 8, "minute": 42}
